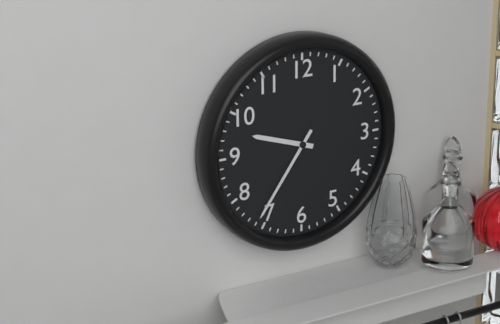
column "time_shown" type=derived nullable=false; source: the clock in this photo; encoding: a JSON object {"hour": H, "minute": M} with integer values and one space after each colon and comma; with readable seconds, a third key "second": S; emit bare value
{"hour": 9, "minute": 36}
